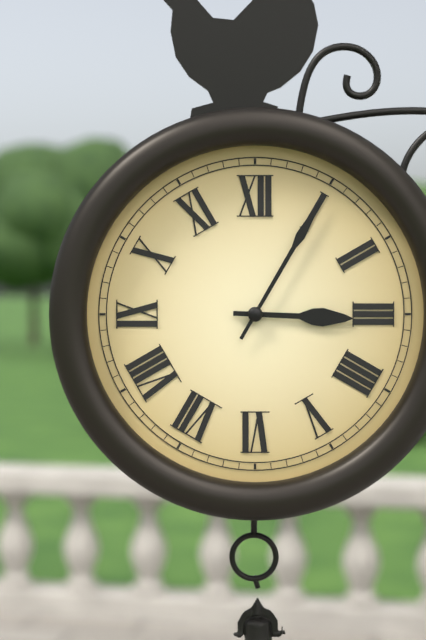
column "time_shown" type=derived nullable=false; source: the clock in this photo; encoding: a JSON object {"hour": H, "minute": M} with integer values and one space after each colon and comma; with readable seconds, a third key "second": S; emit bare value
{"hour": 3, "minute": 5}
